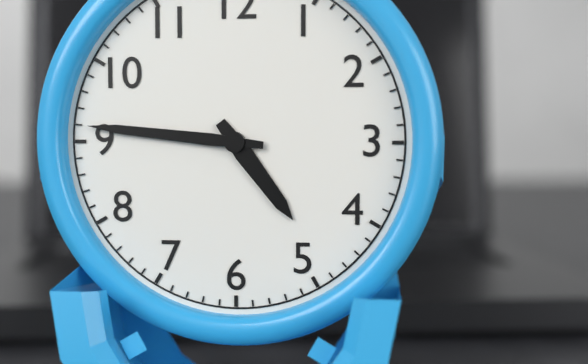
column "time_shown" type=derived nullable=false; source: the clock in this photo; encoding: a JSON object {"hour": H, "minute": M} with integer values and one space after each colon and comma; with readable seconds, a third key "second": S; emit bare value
{"hour": 4, "minute": 46}
